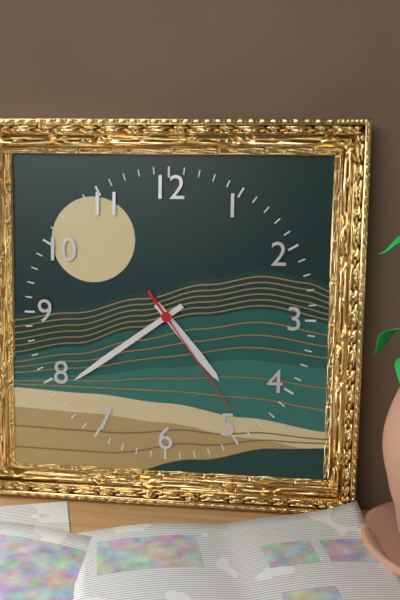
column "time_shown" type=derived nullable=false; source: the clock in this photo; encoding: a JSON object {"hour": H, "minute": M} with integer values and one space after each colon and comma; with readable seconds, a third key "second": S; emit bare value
{"hour": 4, "minute": 39, "second": 24}
